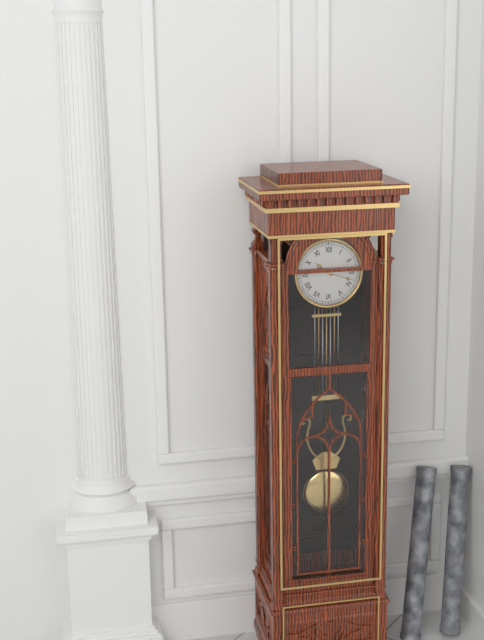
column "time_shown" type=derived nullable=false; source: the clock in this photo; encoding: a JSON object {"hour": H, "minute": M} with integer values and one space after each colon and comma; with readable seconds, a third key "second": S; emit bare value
{"hour": 10, "minute": 18}
